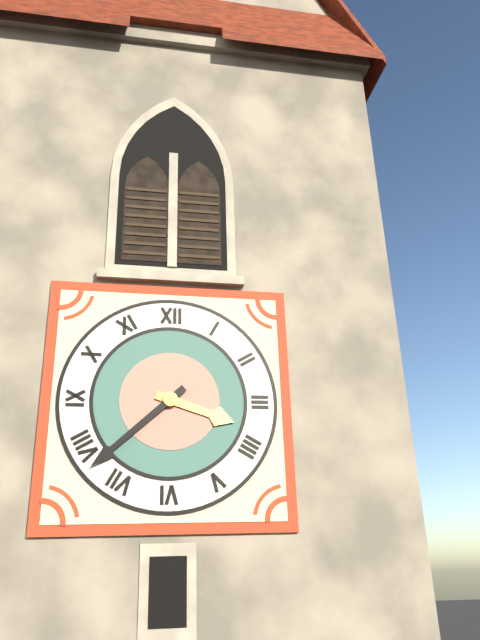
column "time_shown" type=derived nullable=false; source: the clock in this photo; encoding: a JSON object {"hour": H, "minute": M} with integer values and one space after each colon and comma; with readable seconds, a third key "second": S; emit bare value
{"hour": 3, "minute": 38}
